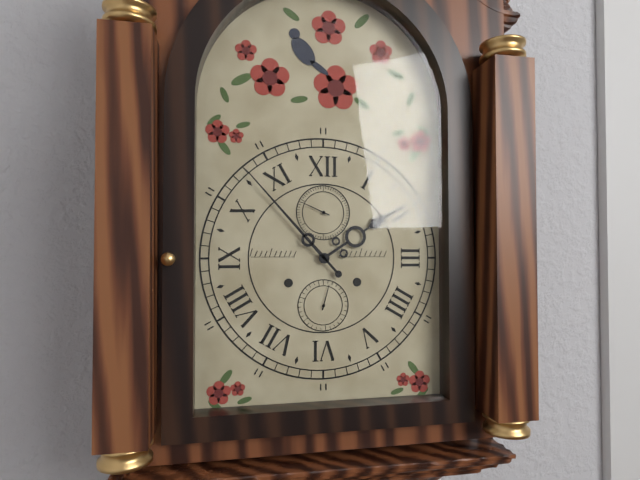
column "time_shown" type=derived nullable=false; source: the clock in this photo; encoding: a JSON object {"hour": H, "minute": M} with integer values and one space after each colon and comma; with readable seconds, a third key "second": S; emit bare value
{"hour": 1, "minute": 53}
